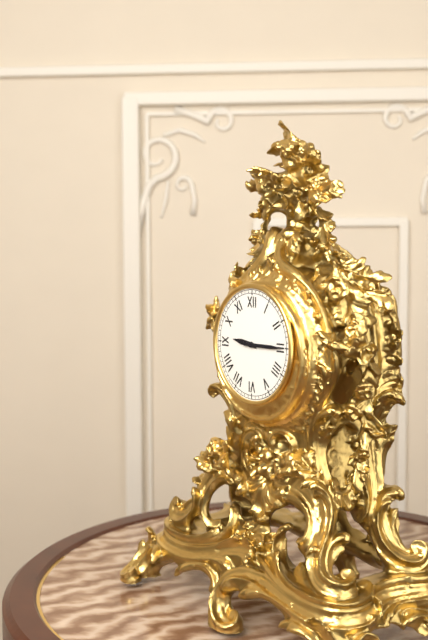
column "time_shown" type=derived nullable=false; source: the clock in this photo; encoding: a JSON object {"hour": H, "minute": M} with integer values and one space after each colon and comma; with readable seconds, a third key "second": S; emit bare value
{"hour": 9, "minute": 15}
